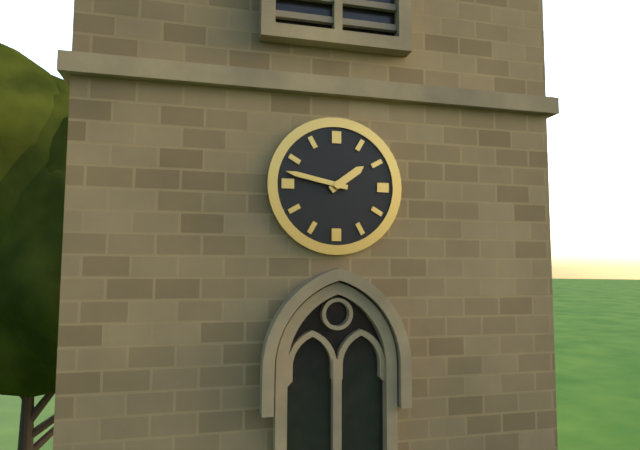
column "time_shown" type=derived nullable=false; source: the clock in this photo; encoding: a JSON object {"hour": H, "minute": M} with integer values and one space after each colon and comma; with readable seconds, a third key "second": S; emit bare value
{"hour": 1, "minute": 47}
